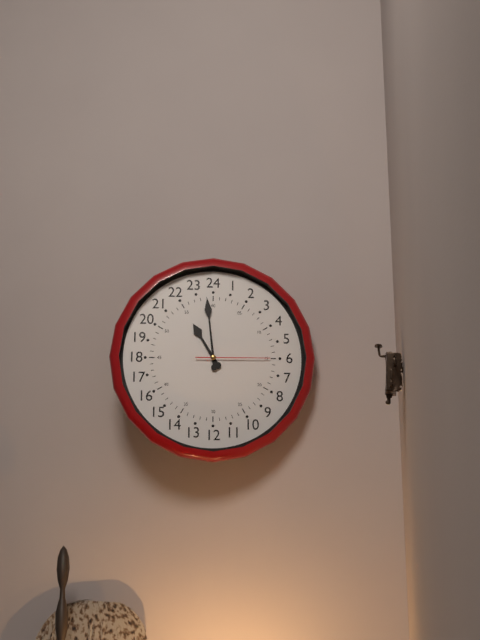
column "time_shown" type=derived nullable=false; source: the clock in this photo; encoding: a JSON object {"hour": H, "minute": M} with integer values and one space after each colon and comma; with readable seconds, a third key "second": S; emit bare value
{"hour": 10, "minute": 59, "second": 15}
